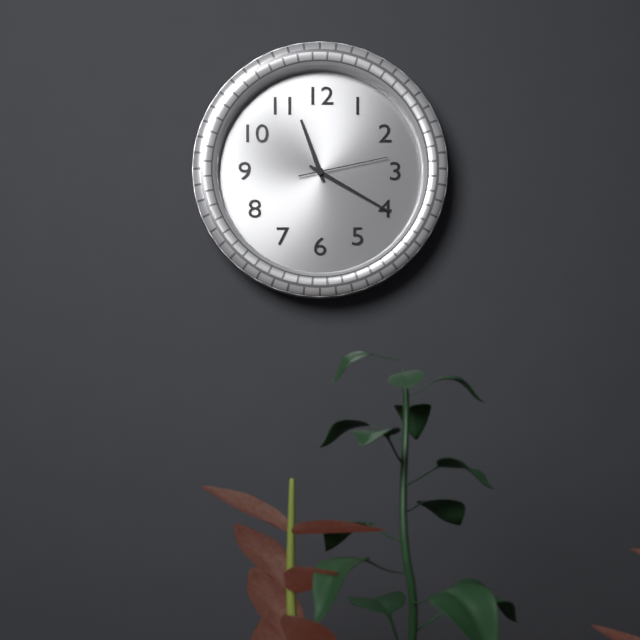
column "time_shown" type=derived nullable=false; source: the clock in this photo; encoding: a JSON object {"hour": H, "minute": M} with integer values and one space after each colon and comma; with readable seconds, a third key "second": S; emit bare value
{"hour": 11, "minute": 20, "second": 13}
